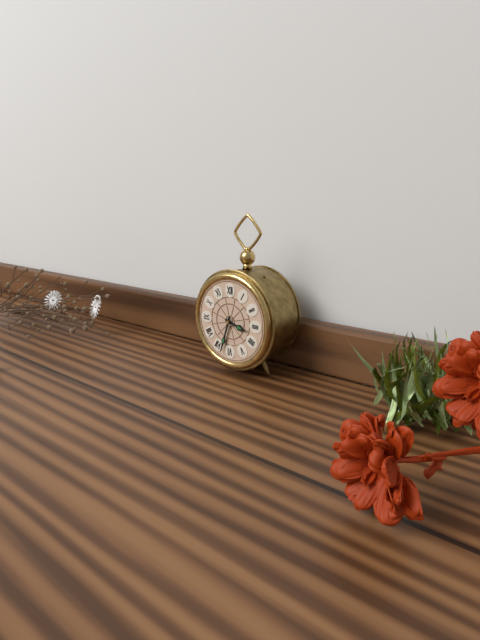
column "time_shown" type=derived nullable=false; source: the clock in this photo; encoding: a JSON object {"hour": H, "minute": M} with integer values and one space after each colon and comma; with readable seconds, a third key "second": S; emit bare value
{"hour": 3, "minute": 33}
